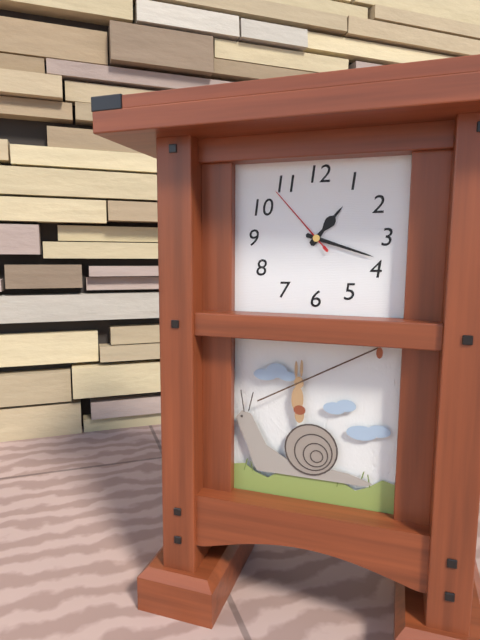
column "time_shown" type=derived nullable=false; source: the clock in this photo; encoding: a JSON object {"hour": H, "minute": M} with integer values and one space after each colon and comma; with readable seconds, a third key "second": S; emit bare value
{"hour": 1, "minute": 18, "second": 53}
